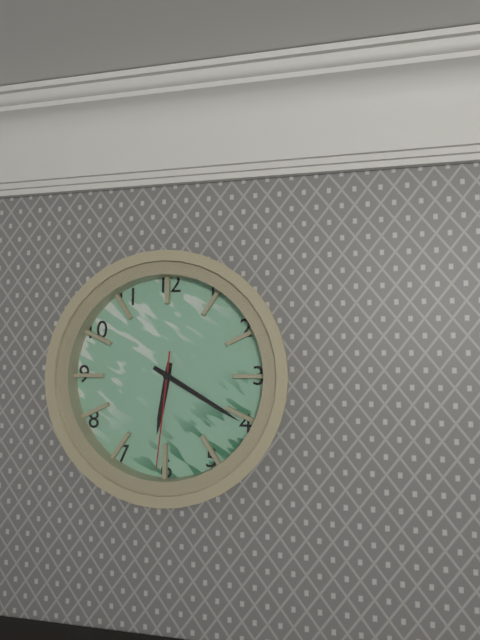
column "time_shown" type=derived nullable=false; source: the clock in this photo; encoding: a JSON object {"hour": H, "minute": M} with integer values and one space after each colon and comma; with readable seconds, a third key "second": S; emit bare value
{"hour": 6, "minute": 20, "second": 31}
